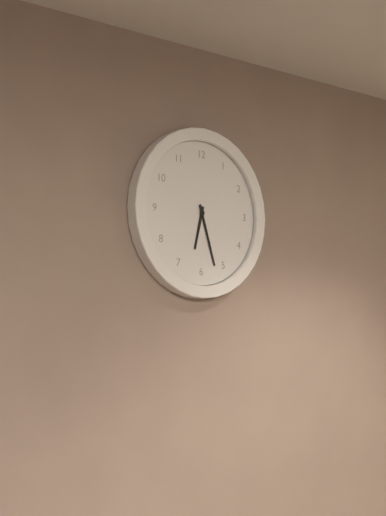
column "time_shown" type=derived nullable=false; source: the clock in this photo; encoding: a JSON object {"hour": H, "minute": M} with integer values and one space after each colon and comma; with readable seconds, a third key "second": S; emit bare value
{"hour": 6, "minute": 27}
